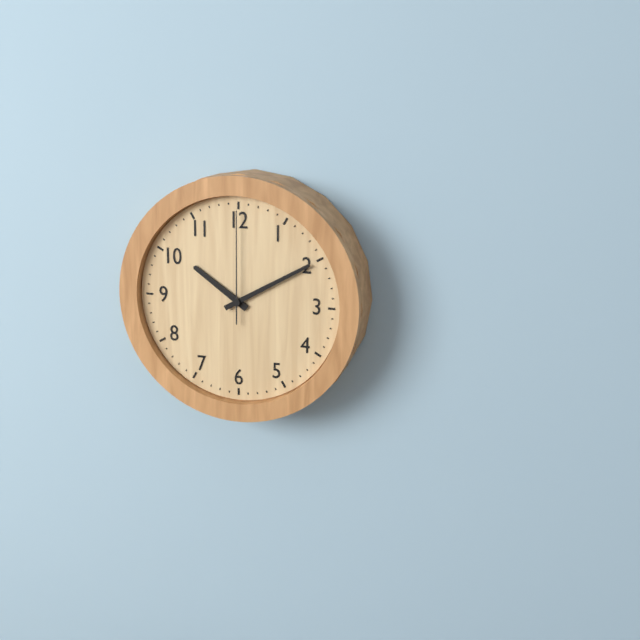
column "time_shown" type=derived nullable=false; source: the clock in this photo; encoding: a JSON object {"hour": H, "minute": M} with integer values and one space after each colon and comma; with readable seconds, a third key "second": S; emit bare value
{"hour": 10, "minute": 10, "second": 0}
